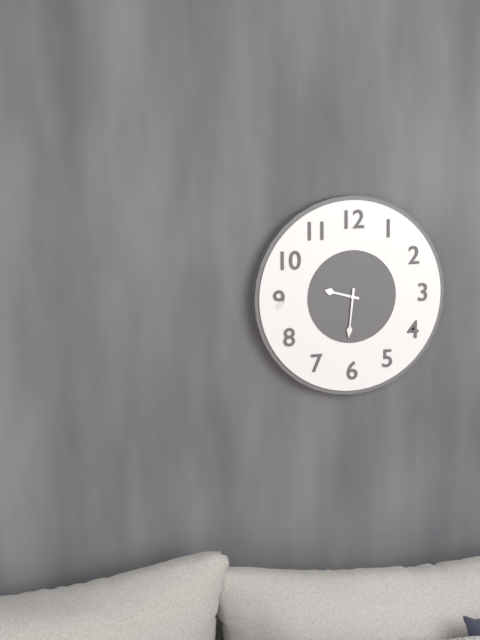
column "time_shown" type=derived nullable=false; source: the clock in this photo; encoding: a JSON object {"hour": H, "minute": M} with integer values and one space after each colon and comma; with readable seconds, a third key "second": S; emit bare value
{"hour": 9, "minute": 31}
